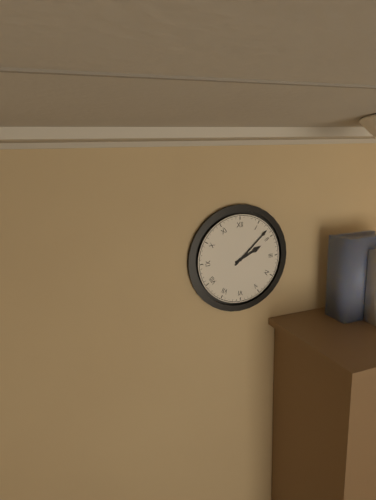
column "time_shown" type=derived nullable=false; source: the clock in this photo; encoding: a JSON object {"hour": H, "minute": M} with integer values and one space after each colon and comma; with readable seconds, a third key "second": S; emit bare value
{"hour": 2, "minute": 8}
